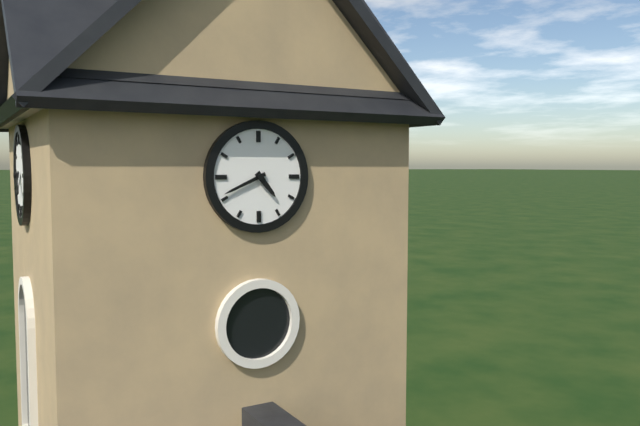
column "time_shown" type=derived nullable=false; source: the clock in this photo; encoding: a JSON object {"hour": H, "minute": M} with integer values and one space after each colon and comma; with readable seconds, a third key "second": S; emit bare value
{"hour": 4, "minute": 41}
